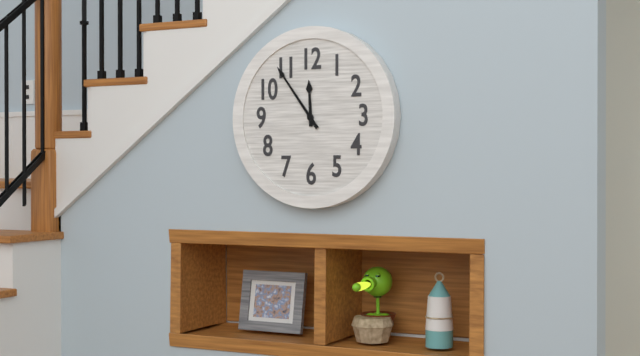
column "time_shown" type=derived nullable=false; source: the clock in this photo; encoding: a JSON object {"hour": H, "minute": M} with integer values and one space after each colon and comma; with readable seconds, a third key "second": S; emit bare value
{"hour": 11, "minute": 54}
